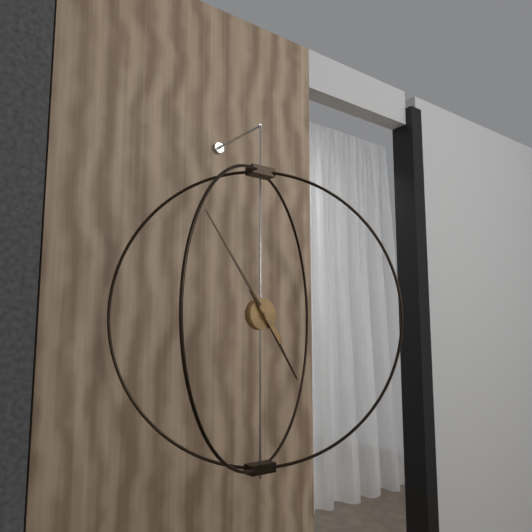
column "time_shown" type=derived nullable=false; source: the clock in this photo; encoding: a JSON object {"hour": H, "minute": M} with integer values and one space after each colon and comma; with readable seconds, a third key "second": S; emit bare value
{"hour": 4, "minute": 54}
